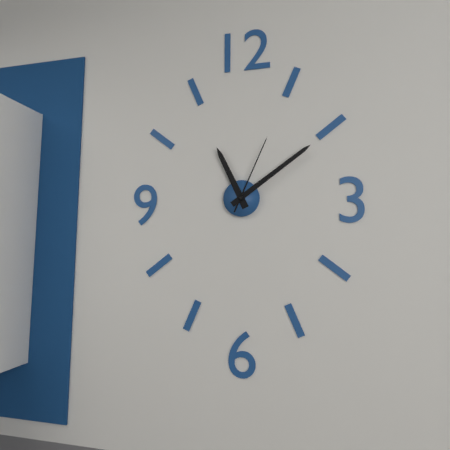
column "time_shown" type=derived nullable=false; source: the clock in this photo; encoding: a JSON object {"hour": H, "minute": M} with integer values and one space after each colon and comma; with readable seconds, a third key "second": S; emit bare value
{"hour": 11, "minute": 9, "second": 4}
